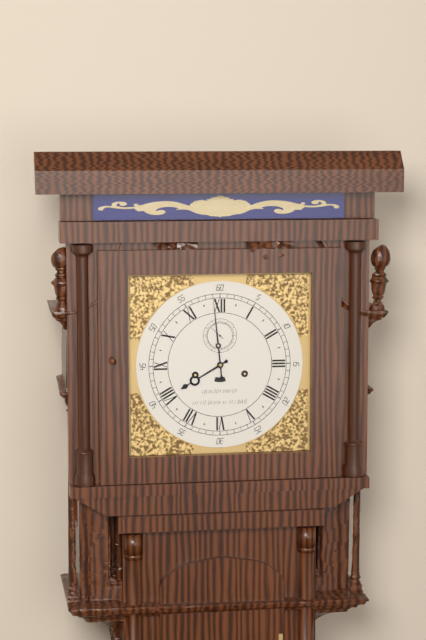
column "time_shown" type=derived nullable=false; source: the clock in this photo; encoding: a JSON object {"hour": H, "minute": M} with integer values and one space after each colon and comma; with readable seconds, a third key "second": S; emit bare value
{"hour": 7, "minute": 59}
